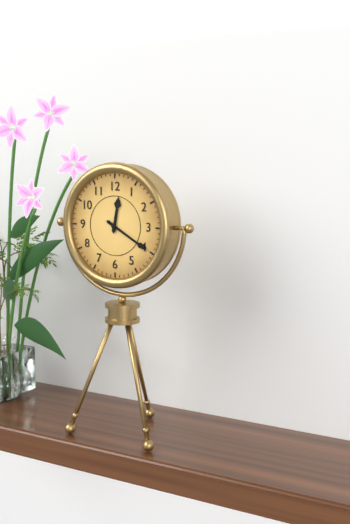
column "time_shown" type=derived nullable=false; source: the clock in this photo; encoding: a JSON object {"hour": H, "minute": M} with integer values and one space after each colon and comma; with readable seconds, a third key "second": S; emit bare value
{"hour": 12, "minute": 20}
